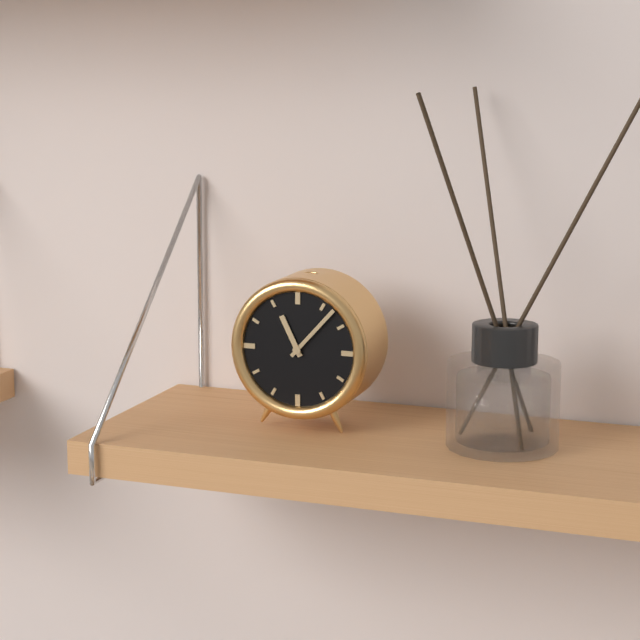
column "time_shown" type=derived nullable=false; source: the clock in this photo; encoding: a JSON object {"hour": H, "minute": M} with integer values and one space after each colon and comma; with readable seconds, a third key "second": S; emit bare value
{"hour": 11, "minute": 7}
